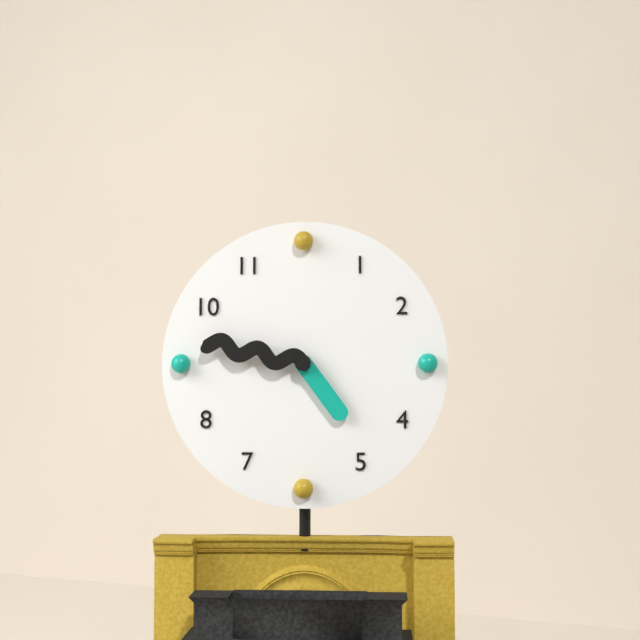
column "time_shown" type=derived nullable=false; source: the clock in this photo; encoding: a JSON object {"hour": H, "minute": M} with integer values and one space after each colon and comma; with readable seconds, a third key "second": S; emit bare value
{"hour": 4, "minute": 47}
